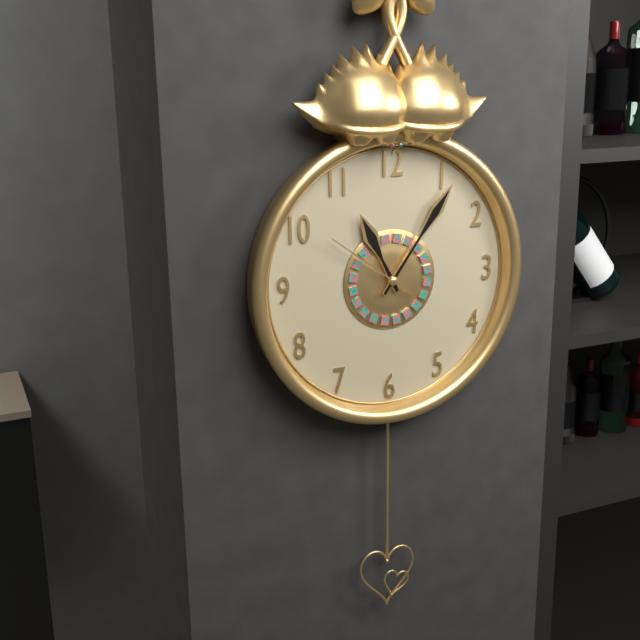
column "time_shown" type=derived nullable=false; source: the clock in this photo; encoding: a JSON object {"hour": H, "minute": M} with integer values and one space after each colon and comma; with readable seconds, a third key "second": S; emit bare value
{"hour": 11, "minute": 6, "second": 51}
